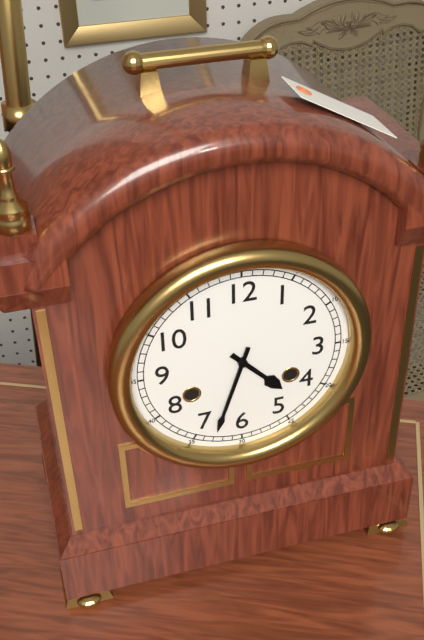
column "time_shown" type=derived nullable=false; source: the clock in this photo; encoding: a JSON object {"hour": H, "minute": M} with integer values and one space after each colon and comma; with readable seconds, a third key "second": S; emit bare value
{"hour": 4, "minute": 33}
